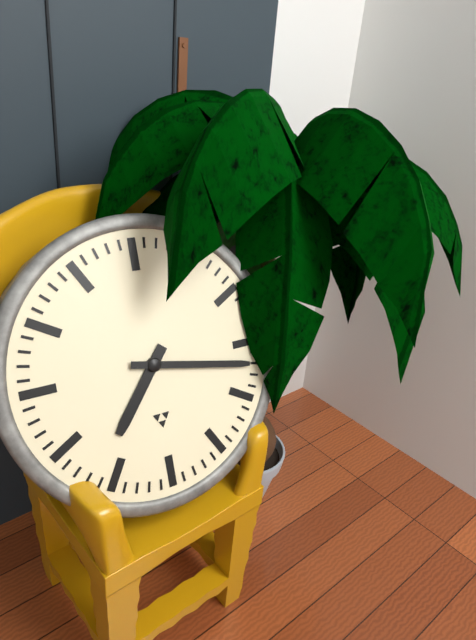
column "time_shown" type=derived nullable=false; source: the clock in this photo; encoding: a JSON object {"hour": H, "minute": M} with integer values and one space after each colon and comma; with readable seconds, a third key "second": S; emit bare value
{"hour": 7, "minute": 17}
